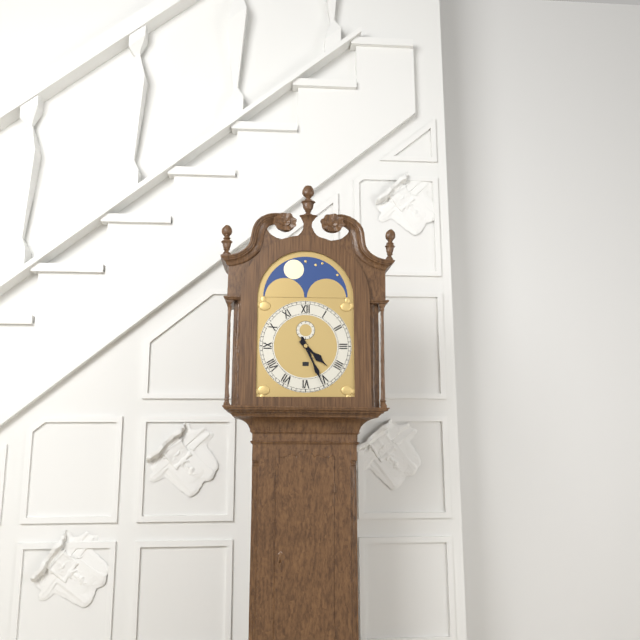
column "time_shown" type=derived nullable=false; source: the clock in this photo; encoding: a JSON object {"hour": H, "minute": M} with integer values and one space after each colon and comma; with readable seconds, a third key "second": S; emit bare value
{"hour": 4, "minute": 26}
